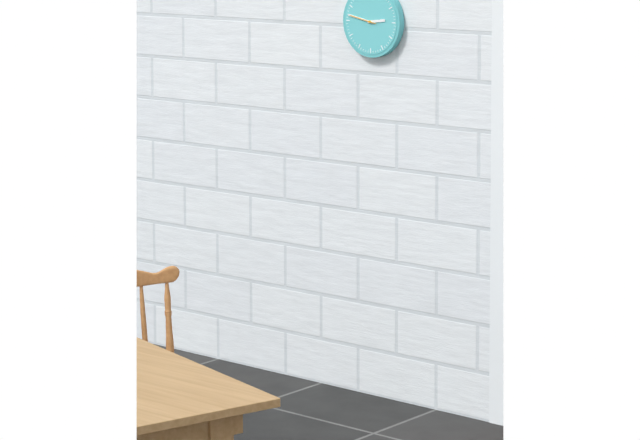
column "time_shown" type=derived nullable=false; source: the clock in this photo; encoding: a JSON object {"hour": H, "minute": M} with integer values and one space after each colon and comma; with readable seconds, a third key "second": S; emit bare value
{"hour": 2, "minute": 47}
